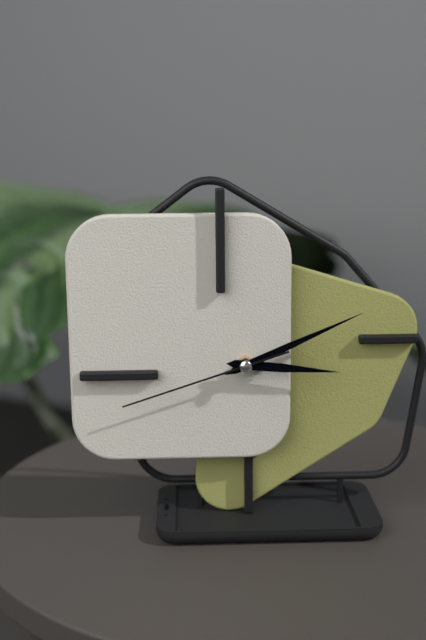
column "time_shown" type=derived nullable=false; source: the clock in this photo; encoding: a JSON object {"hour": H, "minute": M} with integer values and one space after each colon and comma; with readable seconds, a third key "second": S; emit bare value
{"hour": 3, "minute": 11, "second": 42}
